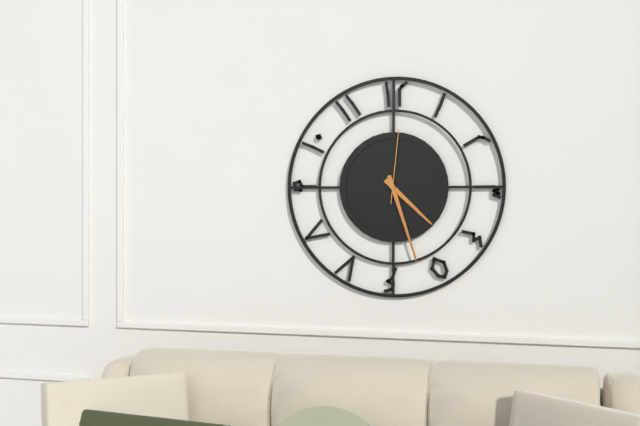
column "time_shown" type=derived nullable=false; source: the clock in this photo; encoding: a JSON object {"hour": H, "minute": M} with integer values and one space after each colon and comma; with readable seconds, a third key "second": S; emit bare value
{"hour": 4, "minute": 27, "second": 1}
